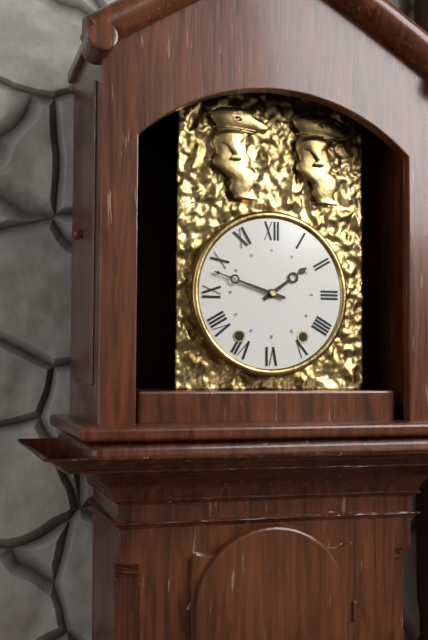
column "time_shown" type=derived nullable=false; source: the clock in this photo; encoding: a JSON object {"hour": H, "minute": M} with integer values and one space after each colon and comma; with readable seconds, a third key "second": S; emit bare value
{"hour": 1, "minute": 48}
